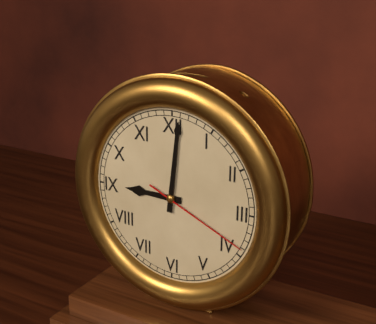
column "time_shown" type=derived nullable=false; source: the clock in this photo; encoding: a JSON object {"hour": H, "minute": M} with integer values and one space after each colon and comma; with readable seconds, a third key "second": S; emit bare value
{"hour": 9, "minute": 1, "second": 19}
